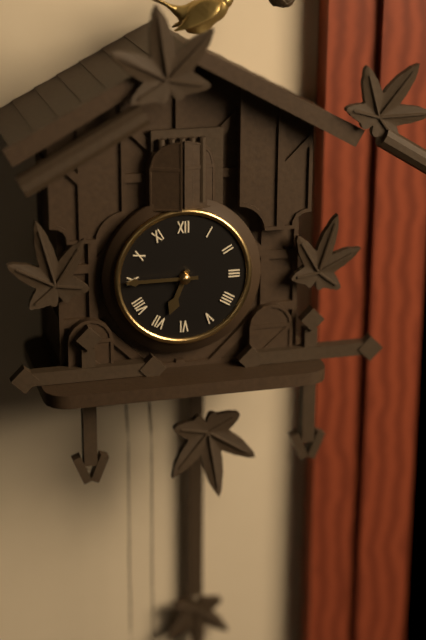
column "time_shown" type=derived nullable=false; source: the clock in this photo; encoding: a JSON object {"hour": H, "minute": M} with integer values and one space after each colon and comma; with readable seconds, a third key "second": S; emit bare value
{"hour": 6, "minute": 45}
